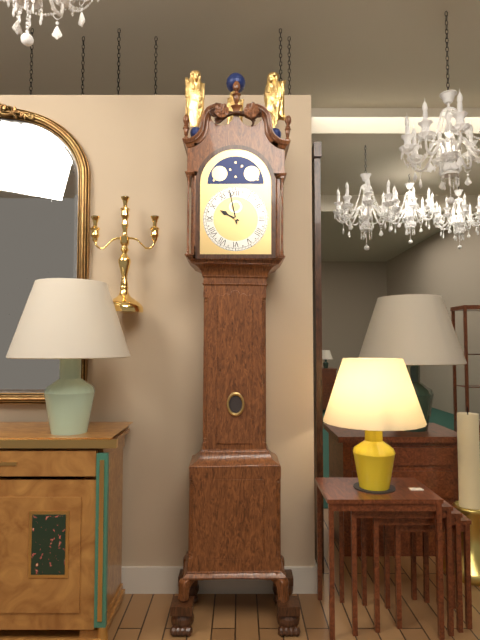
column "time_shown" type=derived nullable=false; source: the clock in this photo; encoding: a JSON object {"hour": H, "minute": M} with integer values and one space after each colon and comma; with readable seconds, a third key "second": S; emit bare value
{"hour": 9, "minute": 58}
